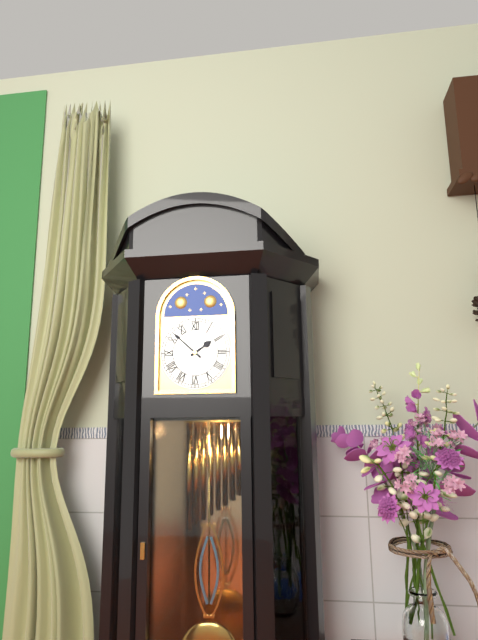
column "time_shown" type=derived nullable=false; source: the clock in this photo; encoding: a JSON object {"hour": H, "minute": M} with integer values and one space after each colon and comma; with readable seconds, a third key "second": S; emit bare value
{"hour": 1, "minute": 52}
